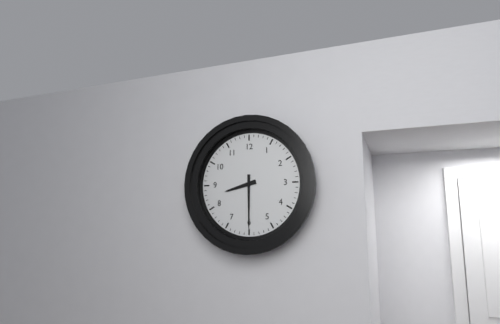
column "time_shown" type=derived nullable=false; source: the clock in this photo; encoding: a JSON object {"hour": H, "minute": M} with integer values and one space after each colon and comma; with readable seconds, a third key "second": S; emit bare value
{"hour": 8, "minute": 30}
